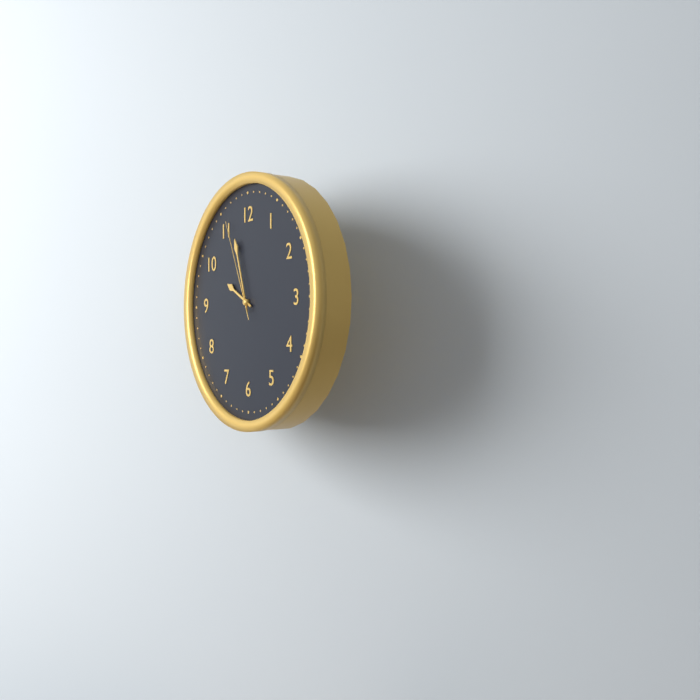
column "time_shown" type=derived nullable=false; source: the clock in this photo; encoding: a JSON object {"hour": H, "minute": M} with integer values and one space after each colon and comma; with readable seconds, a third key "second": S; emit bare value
{"hour": 9, "minute": 57, "second": 56}
